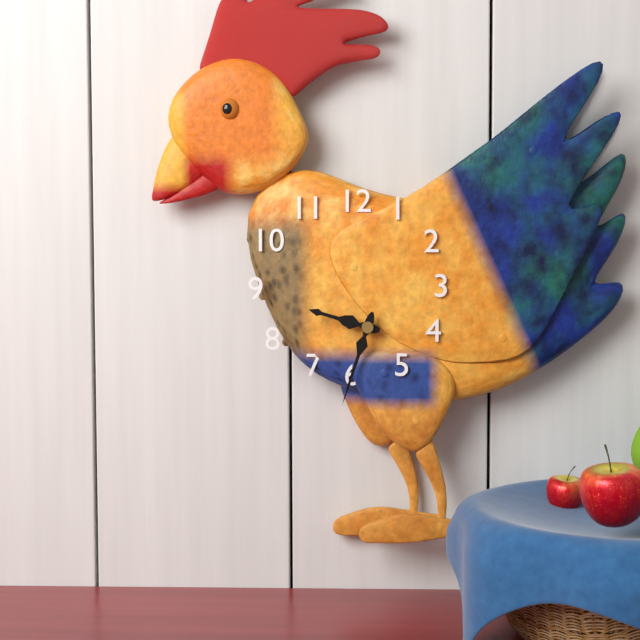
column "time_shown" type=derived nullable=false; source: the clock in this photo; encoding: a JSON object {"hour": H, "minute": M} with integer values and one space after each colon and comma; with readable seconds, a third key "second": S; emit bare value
{"hour": 9, "minute": 33}
